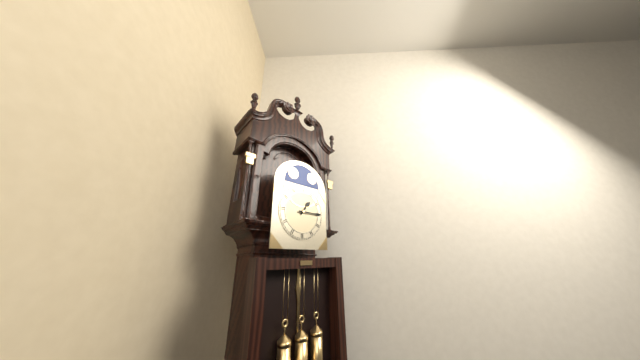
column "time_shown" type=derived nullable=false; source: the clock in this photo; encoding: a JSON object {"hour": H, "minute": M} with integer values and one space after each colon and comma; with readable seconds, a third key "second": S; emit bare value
{"hour": 1, "minute": 15}
